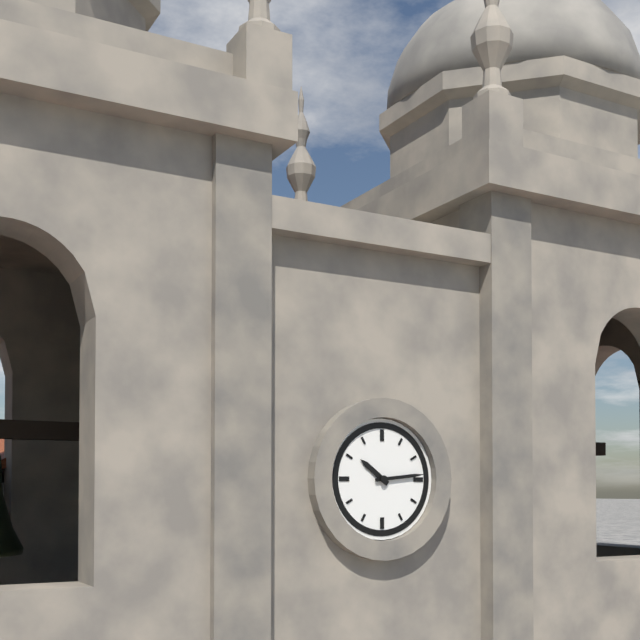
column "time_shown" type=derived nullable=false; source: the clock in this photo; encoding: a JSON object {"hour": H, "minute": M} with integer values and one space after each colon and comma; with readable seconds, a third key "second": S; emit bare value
{"hour": 10, "minute": 14}
